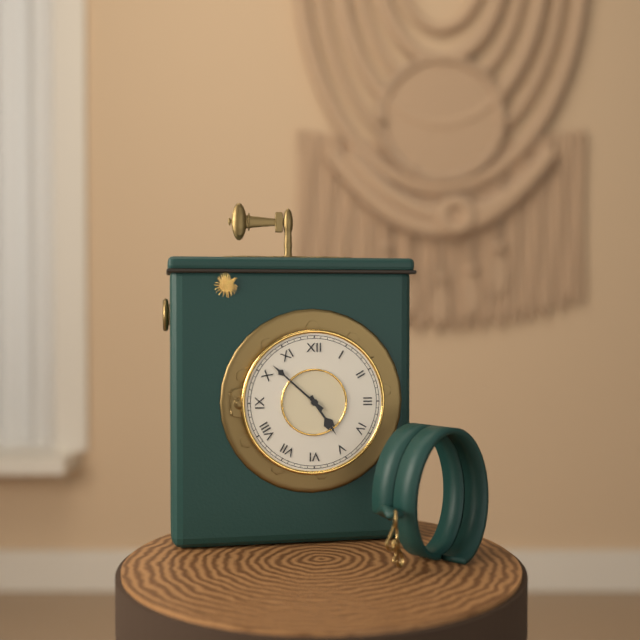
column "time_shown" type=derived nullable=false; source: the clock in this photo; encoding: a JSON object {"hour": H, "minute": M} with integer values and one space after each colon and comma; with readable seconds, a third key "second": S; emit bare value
{"hour": 4, "minute": 52}
